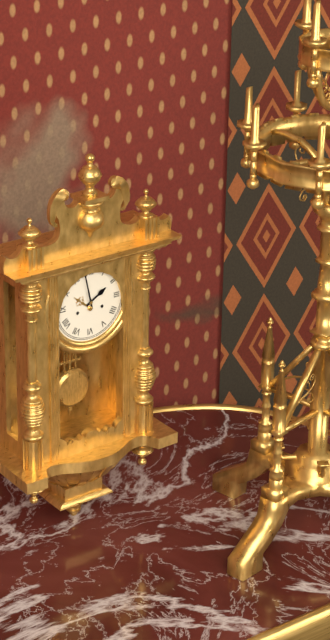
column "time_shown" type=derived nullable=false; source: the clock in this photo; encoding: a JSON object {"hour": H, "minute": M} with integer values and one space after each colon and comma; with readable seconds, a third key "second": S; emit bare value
{"hour": 1, "minute": 58}
